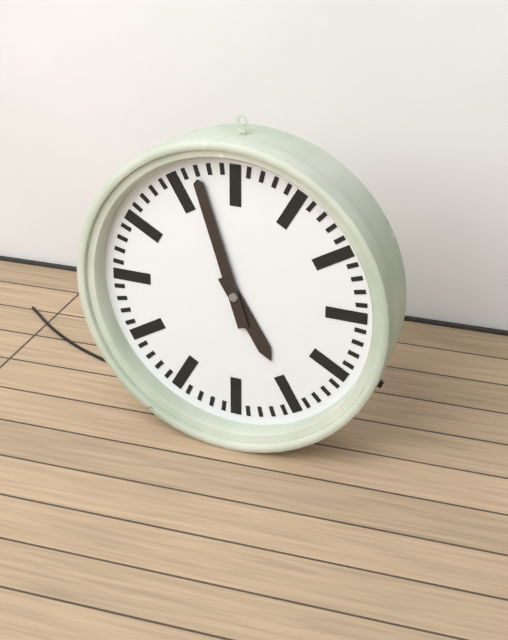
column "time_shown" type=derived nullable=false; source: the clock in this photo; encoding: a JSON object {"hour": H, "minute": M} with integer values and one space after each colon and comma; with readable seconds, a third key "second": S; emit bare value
{"hour": 4, "minute": 57}
